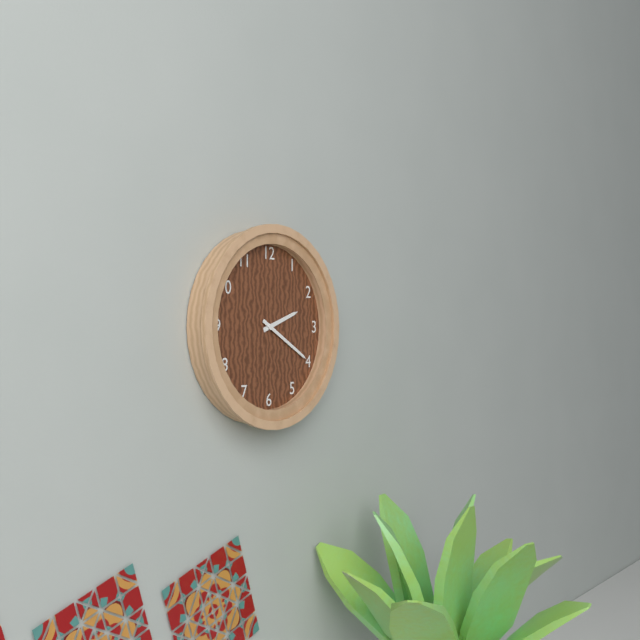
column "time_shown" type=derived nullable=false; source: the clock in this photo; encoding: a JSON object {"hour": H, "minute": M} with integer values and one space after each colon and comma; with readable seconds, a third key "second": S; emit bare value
{"hour": 2, "minute": 20}
